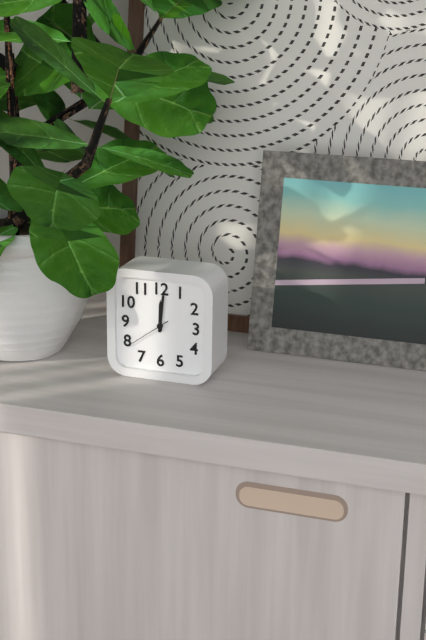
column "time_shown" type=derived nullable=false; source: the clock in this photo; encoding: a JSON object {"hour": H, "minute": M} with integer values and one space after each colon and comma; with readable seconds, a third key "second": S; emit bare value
{"hour": 12, "minute": 1}
